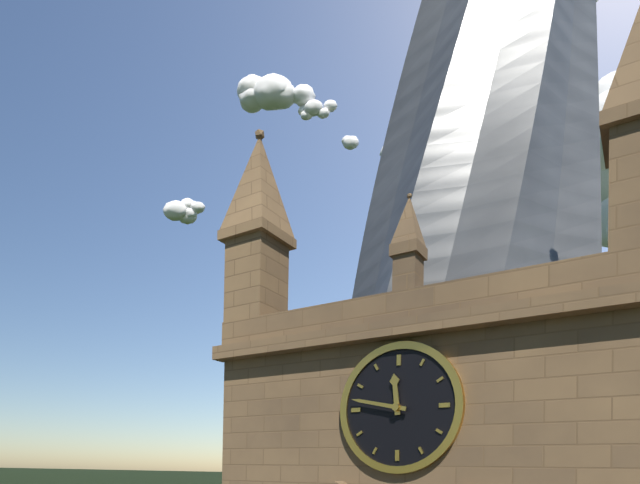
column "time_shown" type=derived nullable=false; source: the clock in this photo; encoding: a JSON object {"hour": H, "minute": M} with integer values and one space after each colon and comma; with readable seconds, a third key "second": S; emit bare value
{"hour": 11, "minute": 47}
